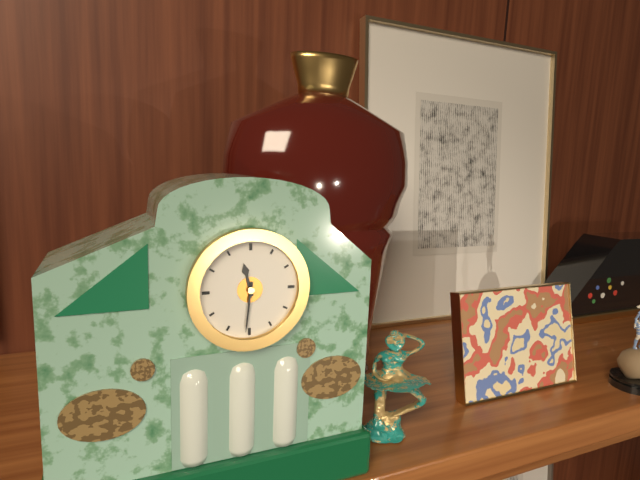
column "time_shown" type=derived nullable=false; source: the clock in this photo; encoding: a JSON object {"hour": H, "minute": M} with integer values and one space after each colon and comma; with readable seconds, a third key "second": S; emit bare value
{"hour": 11, "minute": 31}
